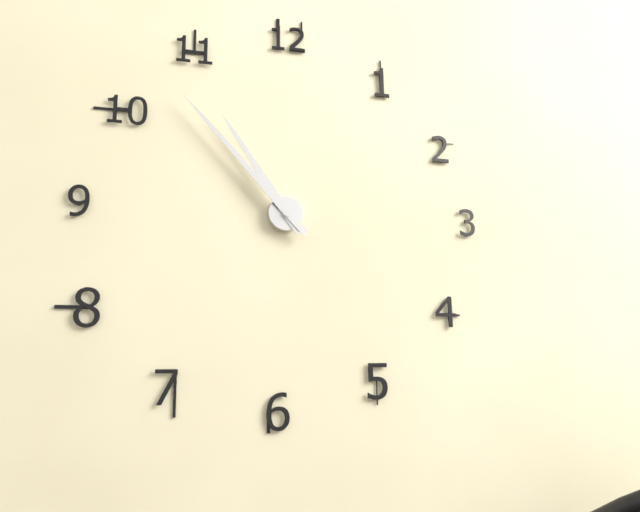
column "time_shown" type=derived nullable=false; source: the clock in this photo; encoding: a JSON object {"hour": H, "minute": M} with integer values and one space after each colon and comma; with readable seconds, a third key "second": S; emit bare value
{"hour": 10, "minute": 53}
